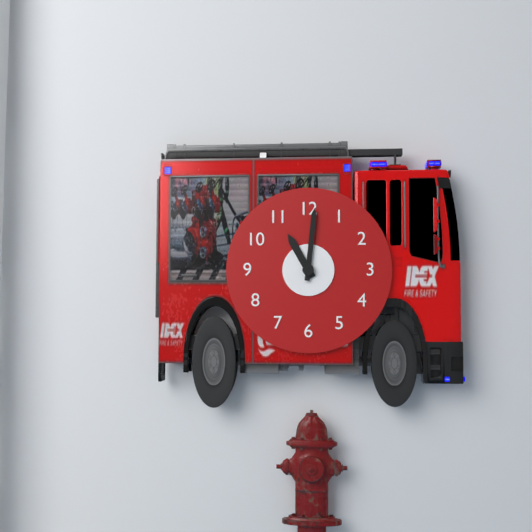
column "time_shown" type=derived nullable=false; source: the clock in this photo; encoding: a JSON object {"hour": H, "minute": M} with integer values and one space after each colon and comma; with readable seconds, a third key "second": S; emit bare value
{"hour": 11, "minute": 1}
